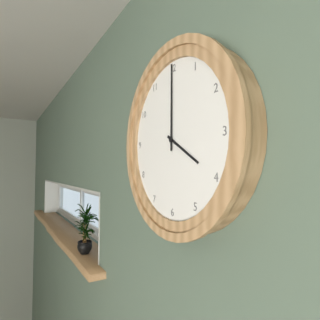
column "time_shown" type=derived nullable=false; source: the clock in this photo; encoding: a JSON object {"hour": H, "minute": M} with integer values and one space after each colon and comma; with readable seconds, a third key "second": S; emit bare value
{"hour": 4, "minute": 0}
